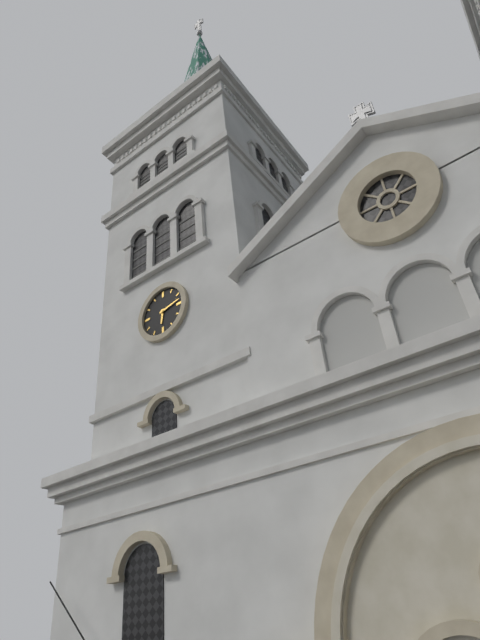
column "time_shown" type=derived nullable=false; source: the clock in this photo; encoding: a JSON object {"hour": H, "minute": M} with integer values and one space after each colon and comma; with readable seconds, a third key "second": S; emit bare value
{"hour": 6, "minute": 13}
